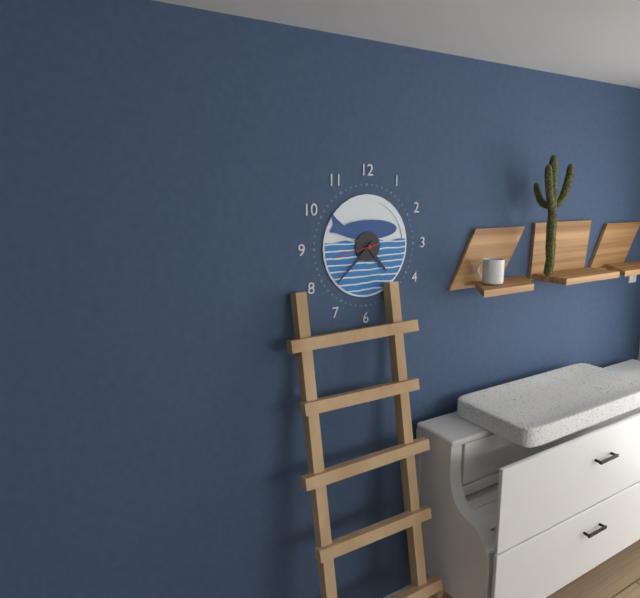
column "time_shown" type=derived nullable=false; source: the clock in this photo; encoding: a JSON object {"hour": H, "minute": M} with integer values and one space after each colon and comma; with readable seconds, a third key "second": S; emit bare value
{"hour": 4, "minute": 38}
